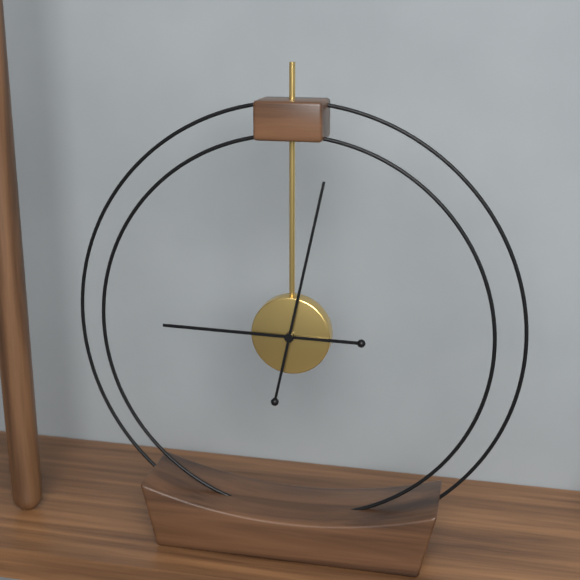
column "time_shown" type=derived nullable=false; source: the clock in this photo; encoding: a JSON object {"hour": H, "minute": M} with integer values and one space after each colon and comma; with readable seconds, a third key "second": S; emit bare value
{"hour": 9, "minute": 2}
